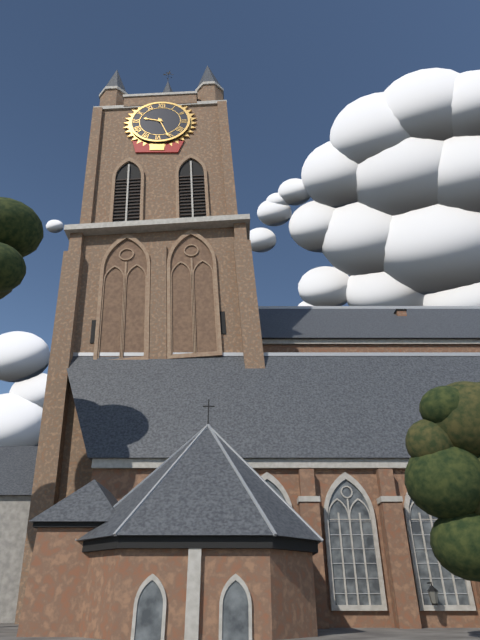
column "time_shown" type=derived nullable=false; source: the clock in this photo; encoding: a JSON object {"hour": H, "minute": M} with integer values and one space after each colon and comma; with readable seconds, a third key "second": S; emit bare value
{"hour": 9, "minute": 26}
